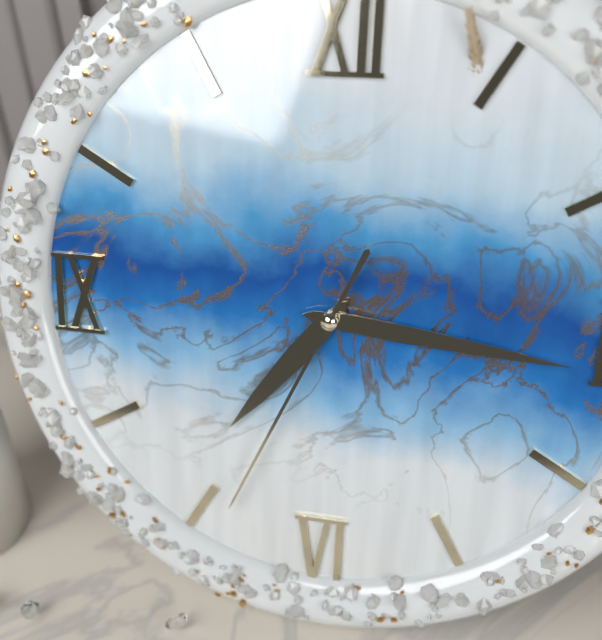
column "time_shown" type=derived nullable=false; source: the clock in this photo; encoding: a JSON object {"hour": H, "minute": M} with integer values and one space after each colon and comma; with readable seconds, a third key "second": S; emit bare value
{"hour": 7, "minute": 16, "second": 34}
